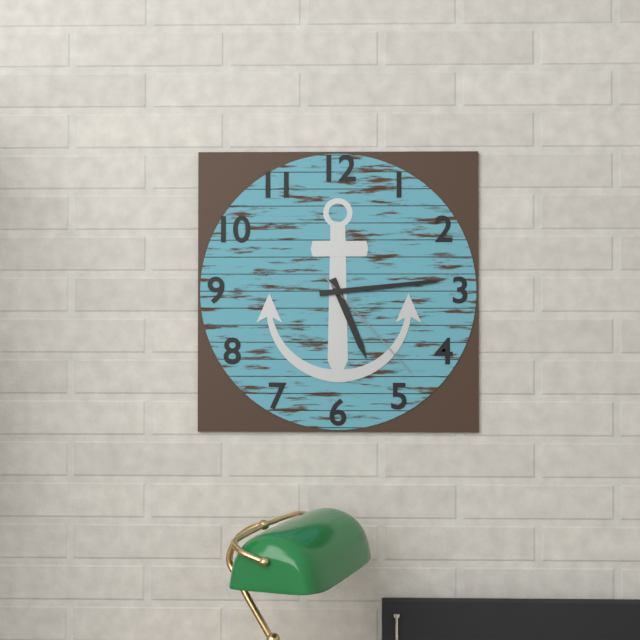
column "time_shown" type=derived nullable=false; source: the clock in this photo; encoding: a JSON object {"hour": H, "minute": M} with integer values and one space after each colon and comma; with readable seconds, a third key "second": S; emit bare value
{"hour": 5, "minute": 14, "second": 23}
